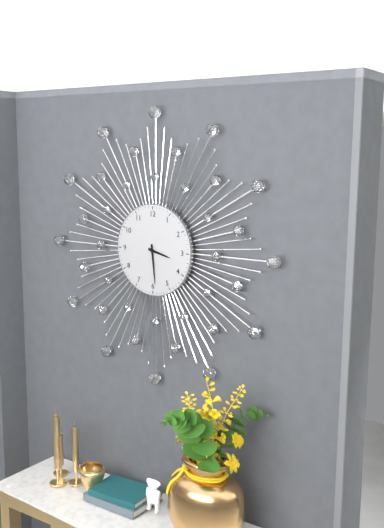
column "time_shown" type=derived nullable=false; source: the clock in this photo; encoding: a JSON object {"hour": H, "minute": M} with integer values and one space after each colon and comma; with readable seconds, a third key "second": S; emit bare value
{"hour": 3, "minute": 29}
